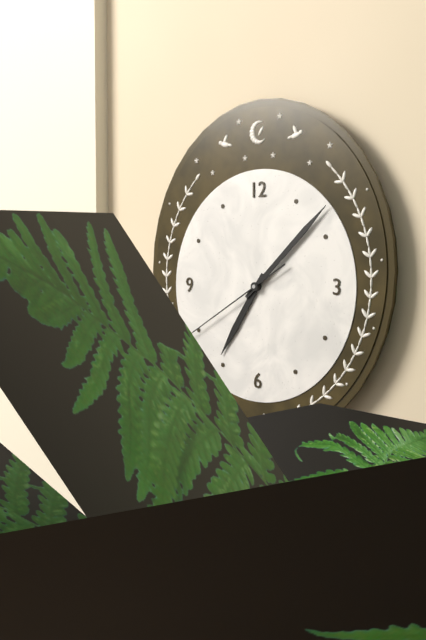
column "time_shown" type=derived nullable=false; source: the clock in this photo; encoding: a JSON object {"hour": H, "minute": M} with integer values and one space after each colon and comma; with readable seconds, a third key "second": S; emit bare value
{"hour": 7, "minute": 8, "second": 40}
